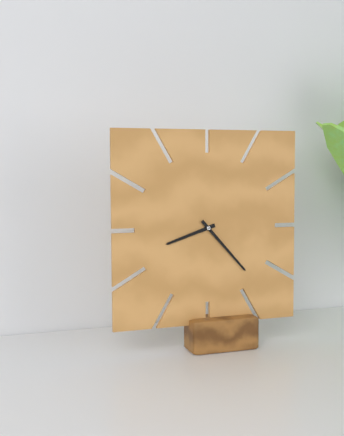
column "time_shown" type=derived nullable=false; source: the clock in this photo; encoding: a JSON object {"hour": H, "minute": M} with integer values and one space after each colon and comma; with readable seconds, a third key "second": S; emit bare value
{"hour": 8, "minute": 23}
